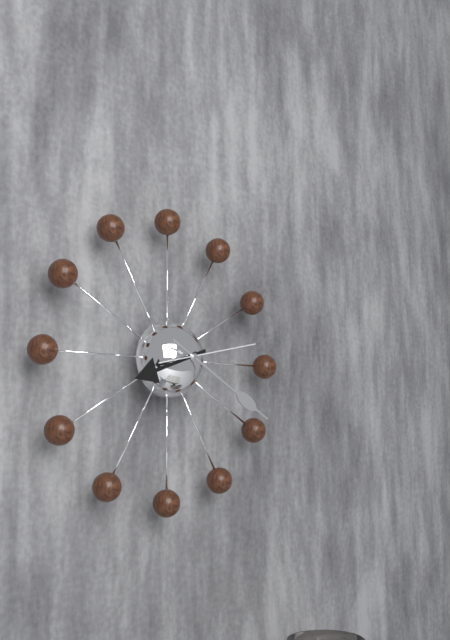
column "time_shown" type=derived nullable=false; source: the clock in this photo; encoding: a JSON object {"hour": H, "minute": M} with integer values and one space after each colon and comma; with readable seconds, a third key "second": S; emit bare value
{"hour": 8, "minute": 20, "second": 13}
